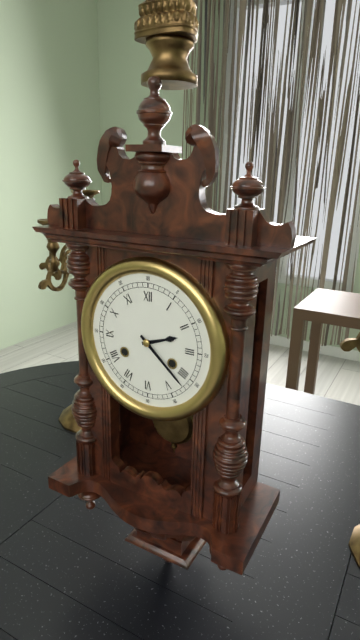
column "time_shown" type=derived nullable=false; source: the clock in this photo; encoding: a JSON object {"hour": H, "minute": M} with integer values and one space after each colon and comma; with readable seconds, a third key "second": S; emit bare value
{"hour": 2, "minute": 22}
